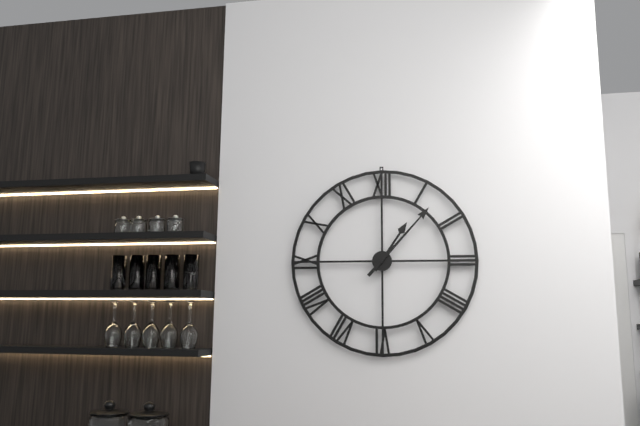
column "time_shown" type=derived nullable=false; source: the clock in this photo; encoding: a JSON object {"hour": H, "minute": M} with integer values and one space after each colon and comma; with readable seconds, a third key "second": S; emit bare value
{"hour": 1, "minute": 7}
